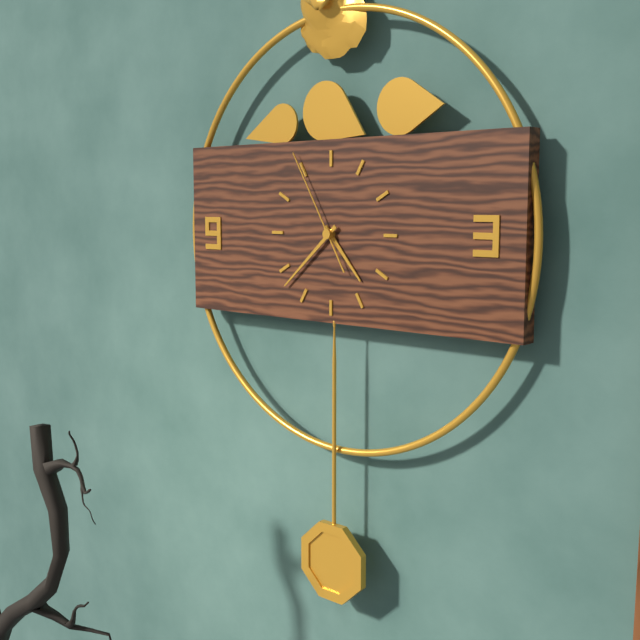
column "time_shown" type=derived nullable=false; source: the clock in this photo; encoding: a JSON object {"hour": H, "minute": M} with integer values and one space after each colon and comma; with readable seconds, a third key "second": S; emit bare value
{"hour": 4, "minute": 38, "second": 55}
